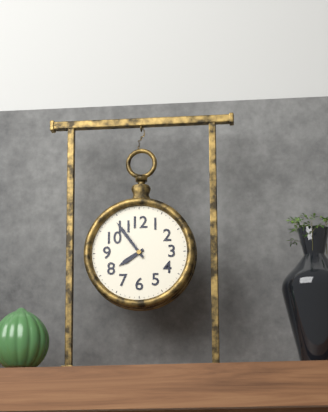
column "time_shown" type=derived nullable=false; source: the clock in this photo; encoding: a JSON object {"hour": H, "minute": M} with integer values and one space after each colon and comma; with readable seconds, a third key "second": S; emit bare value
{"hour": 7, "minute": 54}
